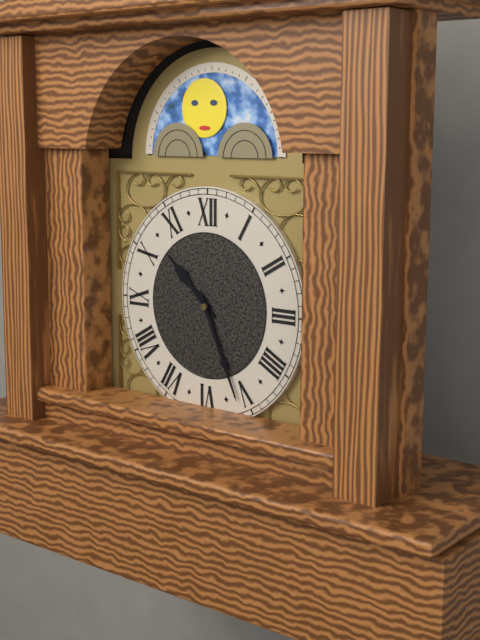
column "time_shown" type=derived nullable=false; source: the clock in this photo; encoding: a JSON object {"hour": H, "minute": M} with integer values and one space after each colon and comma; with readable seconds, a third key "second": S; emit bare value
{"hour": 10, "minute": 26}
